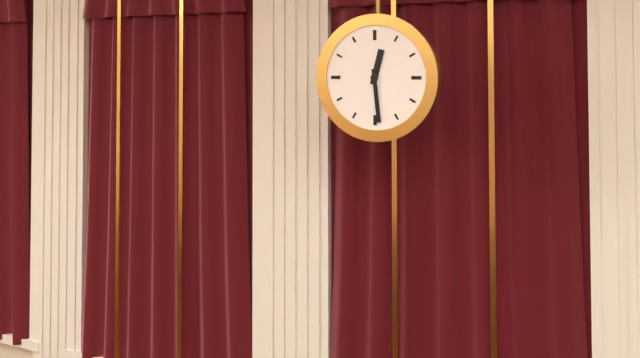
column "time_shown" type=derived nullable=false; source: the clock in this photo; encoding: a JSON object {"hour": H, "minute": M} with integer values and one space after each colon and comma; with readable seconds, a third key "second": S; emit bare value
{"hour": 12, "minute": 29}
